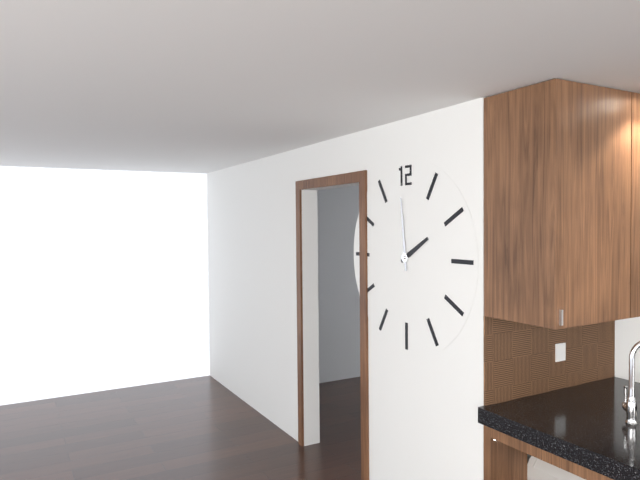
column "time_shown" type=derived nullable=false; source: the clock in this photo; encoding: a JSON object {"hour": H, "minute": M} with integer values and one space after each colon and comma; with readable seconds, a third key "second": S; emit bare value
{"hour": 1, "minute": 59}
